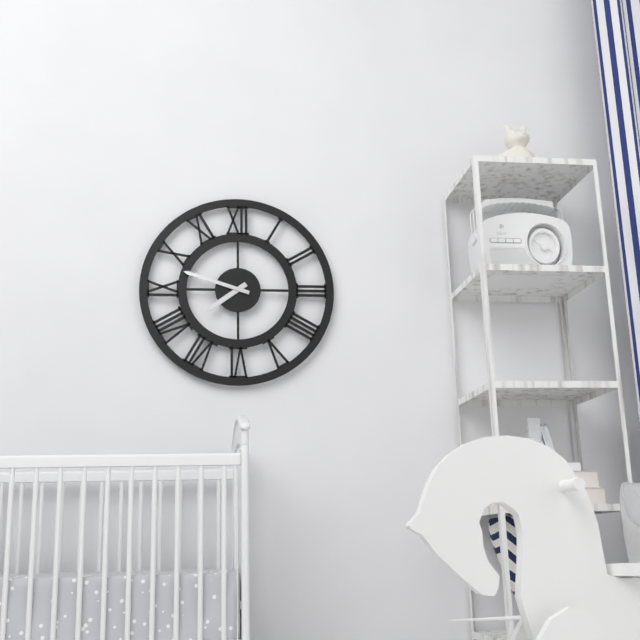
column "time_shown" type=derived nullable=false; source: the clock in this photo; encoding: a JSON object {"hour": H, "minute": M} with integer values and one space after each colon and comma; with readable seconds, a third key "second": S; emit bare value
{"hour": 7, "minute": 48}
